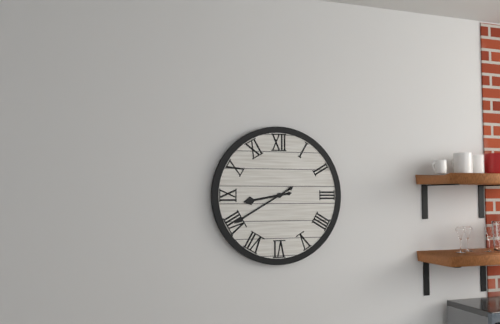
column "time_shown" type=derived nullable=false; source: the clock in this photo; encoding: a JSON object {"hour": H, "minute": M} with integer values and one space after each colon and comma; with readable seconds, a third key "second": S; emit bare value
{"hour": 8, "minute": 40}
